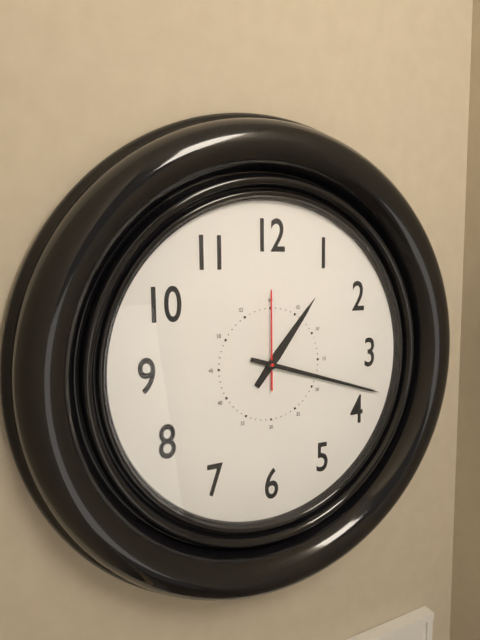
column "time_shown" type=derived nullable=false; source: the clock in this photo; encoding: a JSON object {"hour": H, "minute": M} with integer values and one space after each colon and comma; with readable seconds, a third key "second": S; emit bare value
{"hour": 1, "minute": 18, "second": 0}
